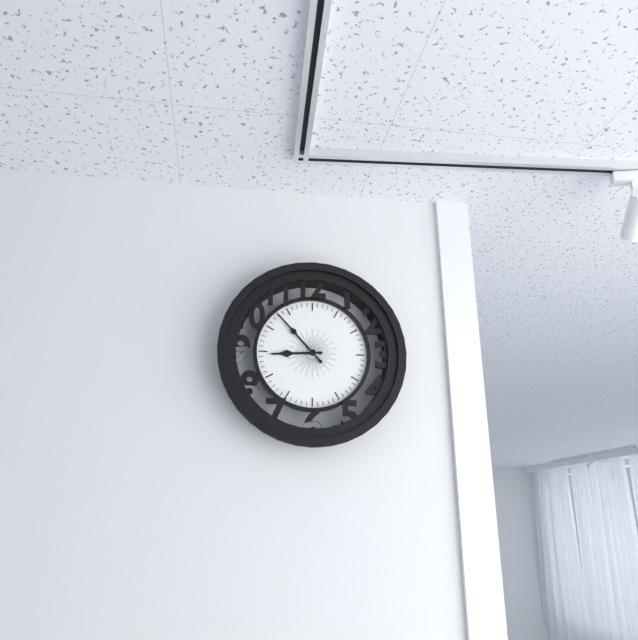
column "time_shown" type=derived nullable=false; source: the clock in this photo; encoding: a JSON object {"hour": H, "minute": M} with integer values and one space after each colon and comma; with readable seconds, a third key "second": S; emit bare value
{"hour": 8, "minute": 53}
